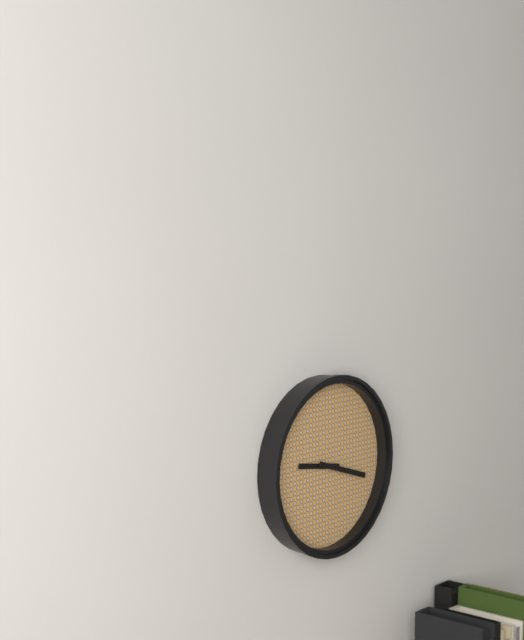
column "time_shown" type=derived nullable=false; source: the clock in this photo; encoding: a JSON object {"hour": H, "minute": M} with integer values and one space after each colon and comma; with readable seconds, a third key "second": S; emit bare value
{"hour": 9, "minute": 18}
